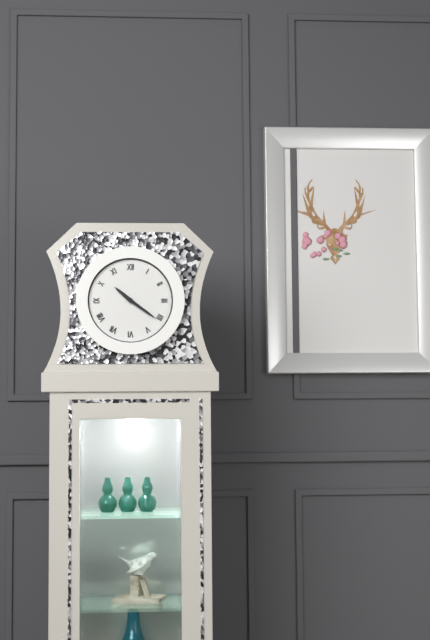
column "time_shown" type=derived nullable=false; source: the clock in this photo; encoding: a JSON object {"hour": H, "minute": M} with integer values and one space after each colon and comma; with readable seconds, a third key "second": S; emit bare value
{"hour": 10, "minute": 21}
